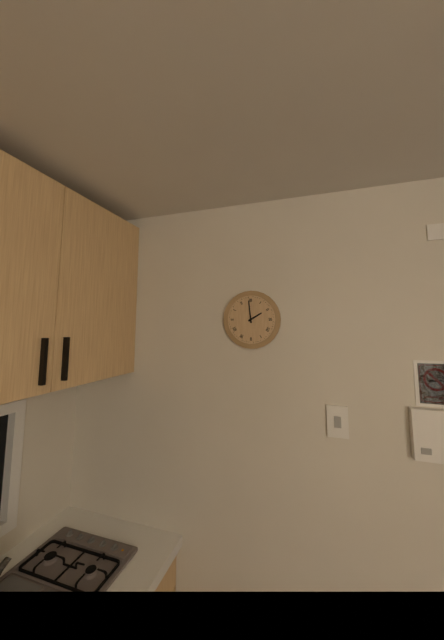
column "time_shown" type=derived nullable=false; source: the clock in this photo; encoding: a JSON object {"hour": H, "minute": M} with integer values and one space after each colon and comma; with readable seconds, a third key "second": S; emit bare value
{"hour": 1, "minute": 59}
